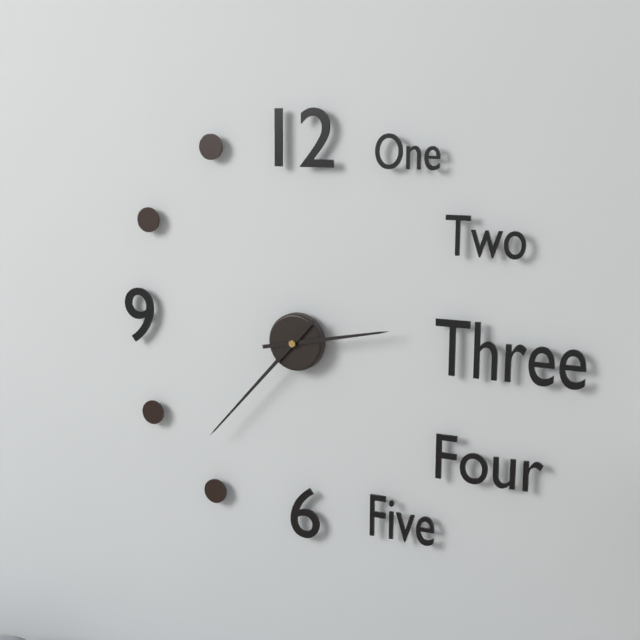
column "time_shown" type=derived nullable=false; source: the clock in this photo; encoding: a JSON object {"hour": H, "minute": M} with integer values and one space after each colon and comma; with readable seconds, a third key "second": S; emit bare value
{"hour": 2, "minute": 37}
